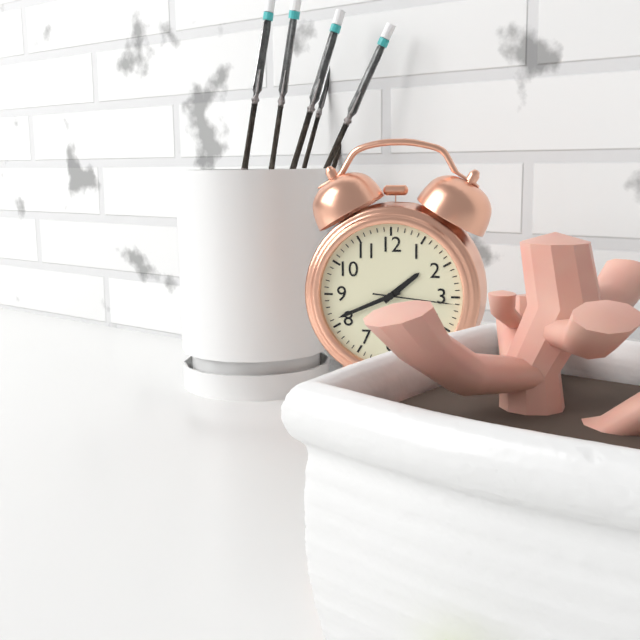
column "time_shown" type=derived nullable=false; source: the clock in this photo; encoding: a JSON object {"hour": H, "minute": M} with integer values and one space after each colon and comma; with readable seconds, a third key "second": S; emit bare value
{"hour": 1, "minute": 41, "second": 16}
